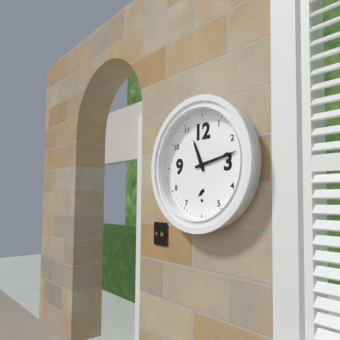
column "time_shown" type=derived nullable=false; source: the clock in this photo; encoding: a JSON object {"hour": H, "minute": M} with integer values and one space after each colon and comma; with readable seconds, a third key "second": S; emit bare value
{"hour": 11, "minute": 13}
